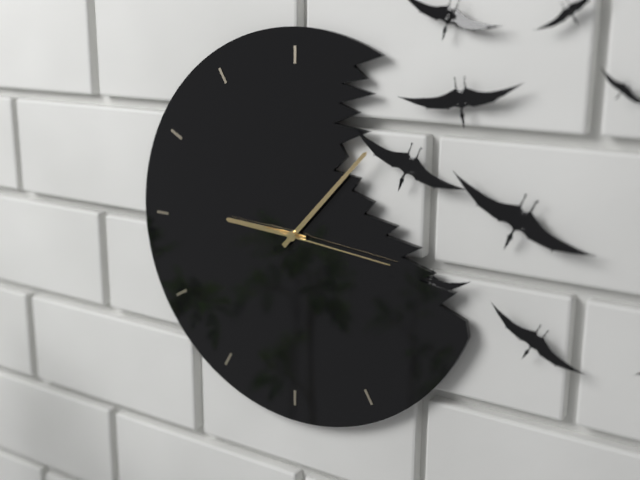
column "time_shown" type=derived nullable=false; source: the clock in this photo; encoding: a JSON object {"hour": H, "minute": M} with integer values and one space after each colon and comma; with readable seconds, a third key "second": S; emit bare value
{"hour": 9, "minute": 7, "second": 16}
